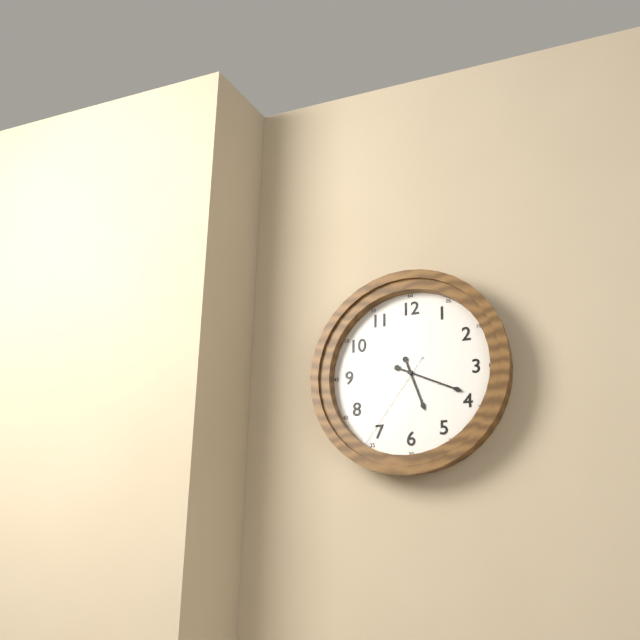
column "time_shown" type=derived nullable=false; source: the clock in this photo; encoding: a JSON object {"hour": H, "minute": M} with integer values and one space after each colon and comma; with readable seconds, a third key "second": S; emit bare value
{"hour": 5, "minute": 19, "second": 36}
